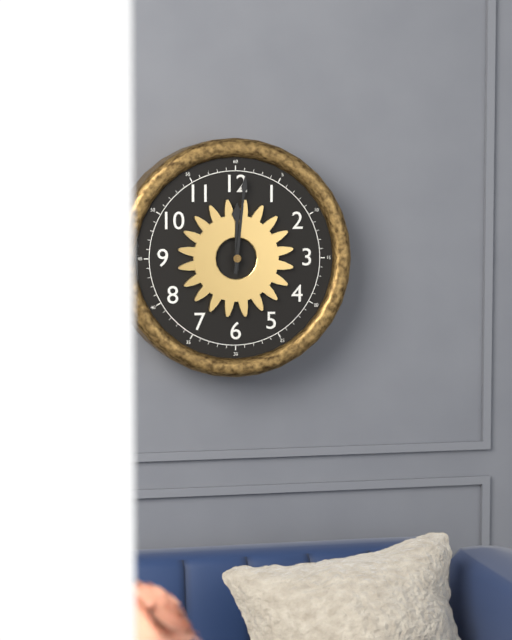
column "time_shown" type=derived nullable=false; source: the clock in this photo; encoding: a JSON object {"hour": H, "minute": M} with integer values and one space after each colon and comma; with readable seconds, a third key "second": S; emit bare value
{"hour": 12, "minute": 1}
